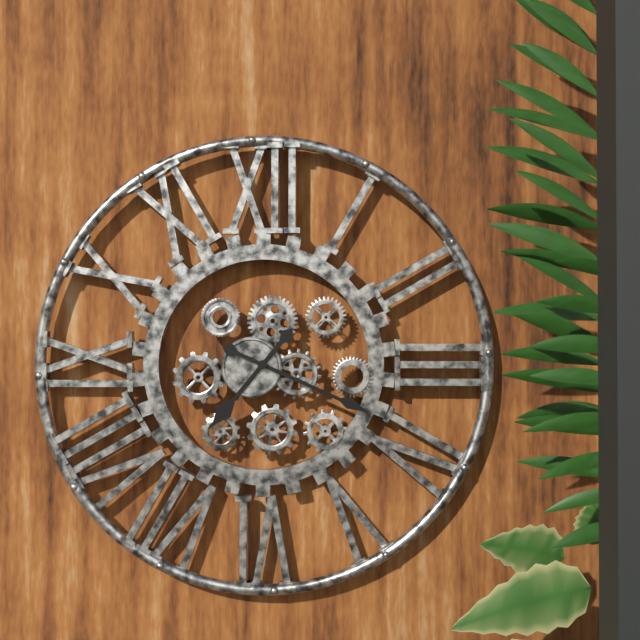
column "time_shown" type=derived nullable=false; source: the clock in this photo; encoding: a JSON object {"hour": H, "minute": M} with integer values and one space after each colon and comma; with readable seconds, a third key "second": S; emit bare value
{"hour": 7, "minute": 19}
